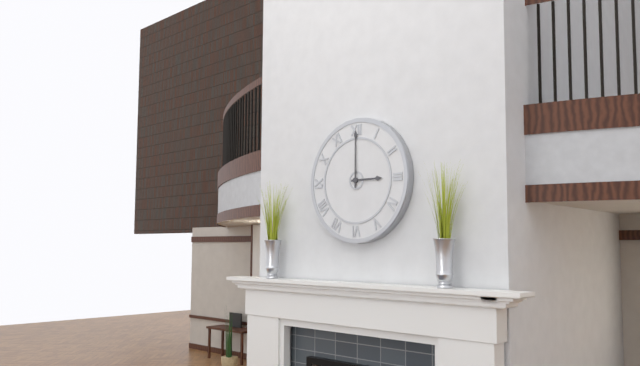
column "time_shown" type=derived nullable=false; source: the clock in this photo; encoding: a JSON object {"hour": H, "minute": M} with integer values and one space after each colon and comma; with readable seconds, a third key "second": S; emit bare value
{"hour": 3, "minute": 0}
